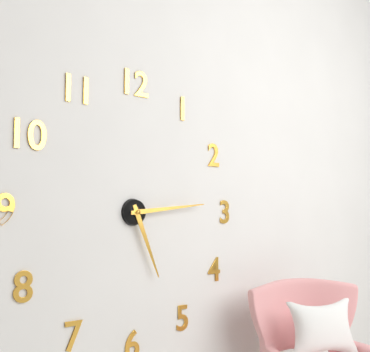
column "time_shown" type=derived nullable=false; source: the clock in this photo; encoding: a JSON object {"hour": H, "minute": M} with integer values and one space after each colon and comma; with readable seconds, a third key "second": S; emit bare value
{"hour": 5, "minute": 14}
